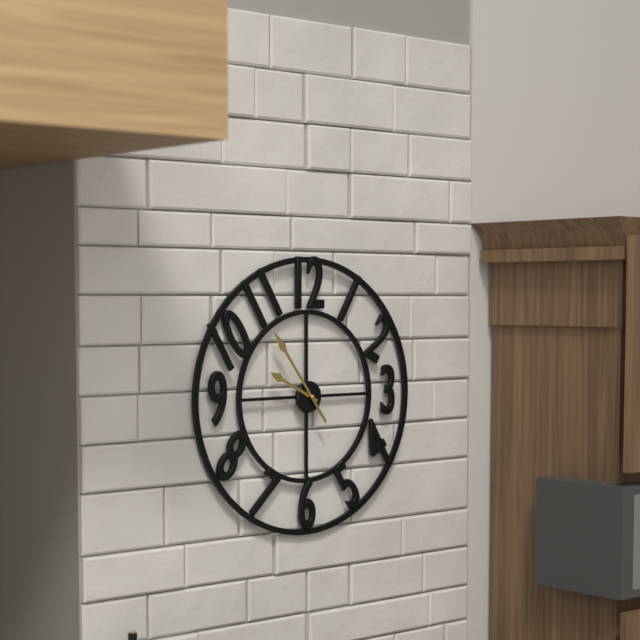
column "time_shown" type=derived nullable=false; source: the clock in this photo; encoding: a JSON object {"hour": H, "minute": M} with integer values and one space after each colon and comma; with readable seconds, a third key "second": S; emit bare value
{"hour": 9, "minute": 54}
